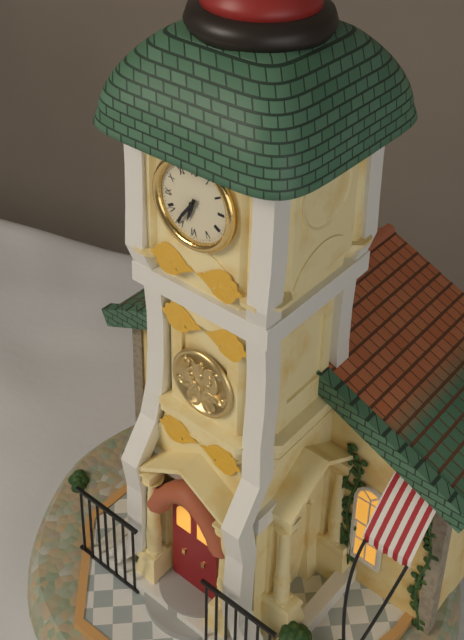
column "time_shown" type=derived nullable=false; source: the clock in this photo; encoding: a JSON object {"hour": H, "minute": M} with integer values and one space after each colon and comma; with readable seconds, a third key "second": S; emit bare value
{"hour": 6, "minute": 36}
